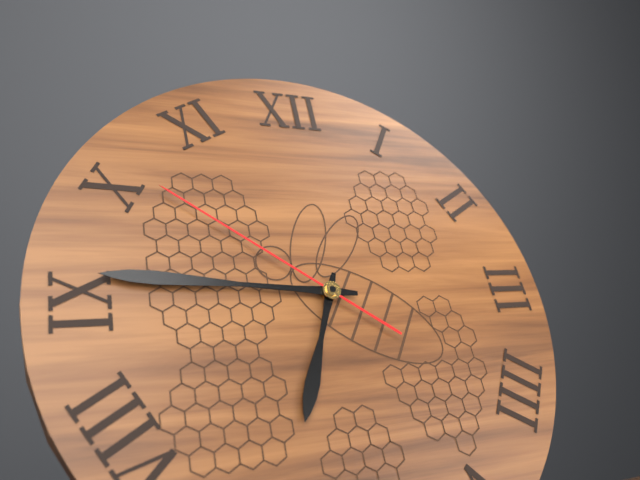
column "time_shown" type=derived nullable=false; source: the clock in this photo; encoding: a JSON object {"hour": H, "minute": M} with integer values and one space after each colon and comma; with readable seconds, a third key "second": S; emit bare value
{"hour": 6, "minute": 46, "second": 51}
